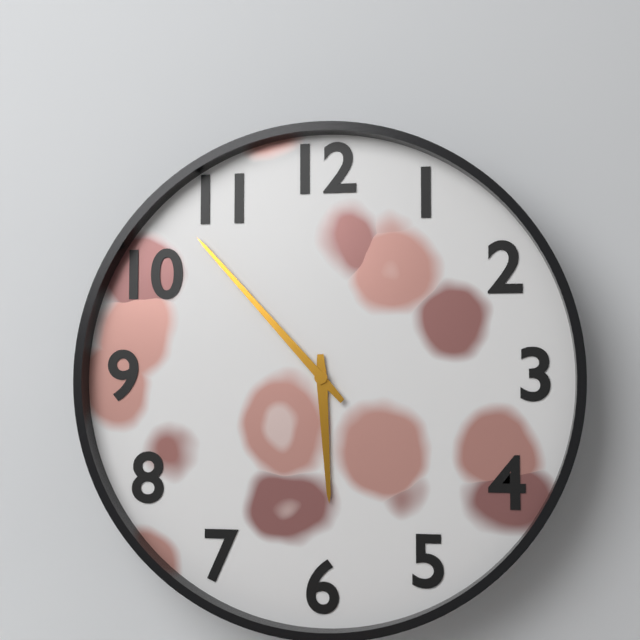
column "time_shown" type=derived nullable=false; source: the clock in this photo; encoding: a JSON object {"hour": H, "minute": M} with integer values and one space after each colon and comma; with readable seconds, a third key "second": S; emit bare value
{"hour": 5, "minute": 53}
